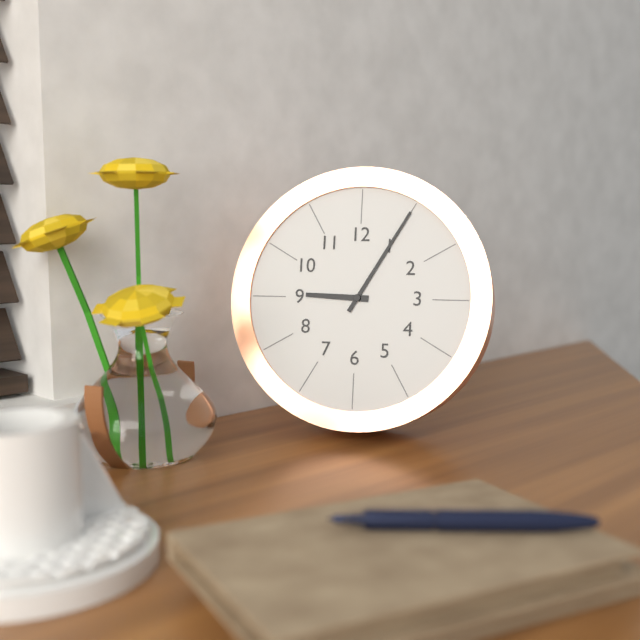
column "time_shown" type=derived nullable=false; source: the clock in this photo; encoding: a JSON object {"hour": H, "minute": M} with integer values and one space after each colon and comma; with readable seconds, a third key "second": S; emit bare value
{"hour": 9, "minute": 5}
